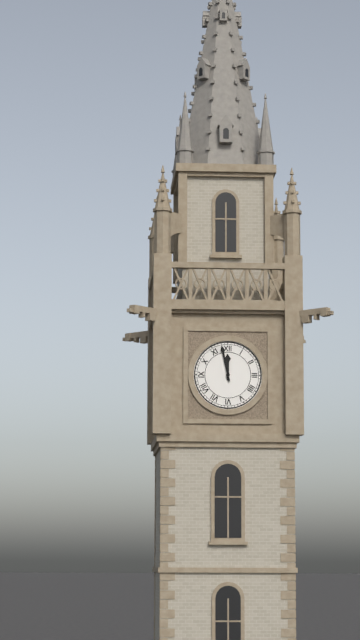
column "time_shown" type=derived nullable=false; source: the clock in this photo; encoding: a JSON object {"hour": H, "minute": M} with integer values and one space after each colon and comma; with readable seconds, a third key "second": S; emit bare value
{"hour": 11, "minute": 58}
